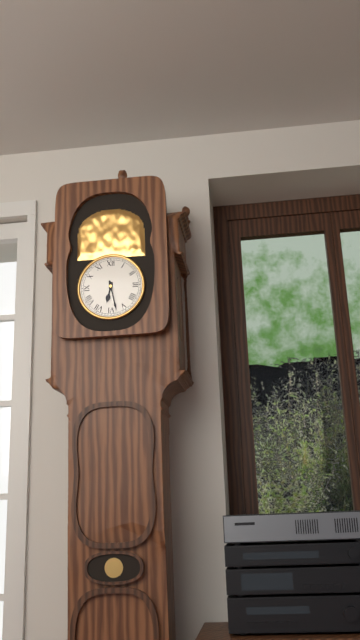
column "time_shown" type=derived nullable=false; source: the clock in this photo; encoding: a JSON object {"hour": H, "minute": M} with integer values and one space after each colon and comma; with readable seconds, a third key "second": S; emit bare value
{"hour": 6, "minute": 28}
